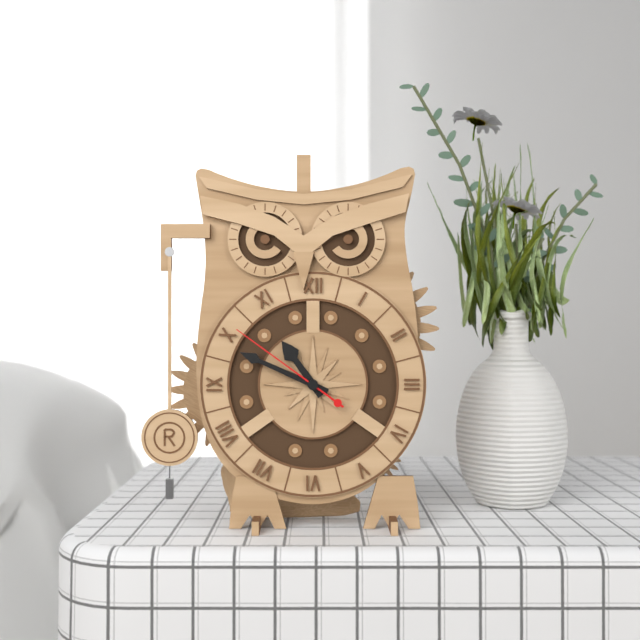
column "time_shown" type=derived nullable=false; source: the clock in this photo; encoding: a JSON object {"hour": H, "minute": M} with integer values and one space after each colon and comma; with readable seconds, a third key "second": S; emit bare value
{"hour": 10, "minute": 49, "second": 51}
